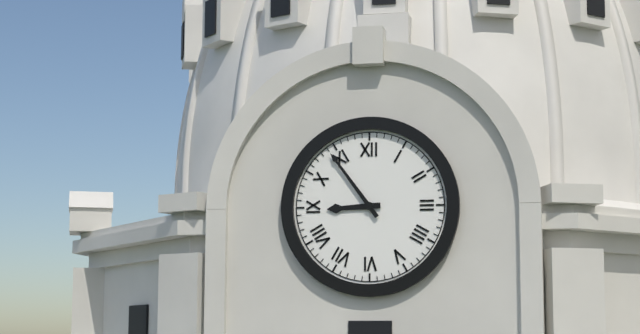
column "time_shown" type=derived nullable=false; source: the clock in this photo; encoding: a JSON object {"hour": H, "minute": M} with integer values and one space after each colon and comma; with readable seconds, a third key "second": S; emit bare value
{"hour": 8, "minute": 54}
